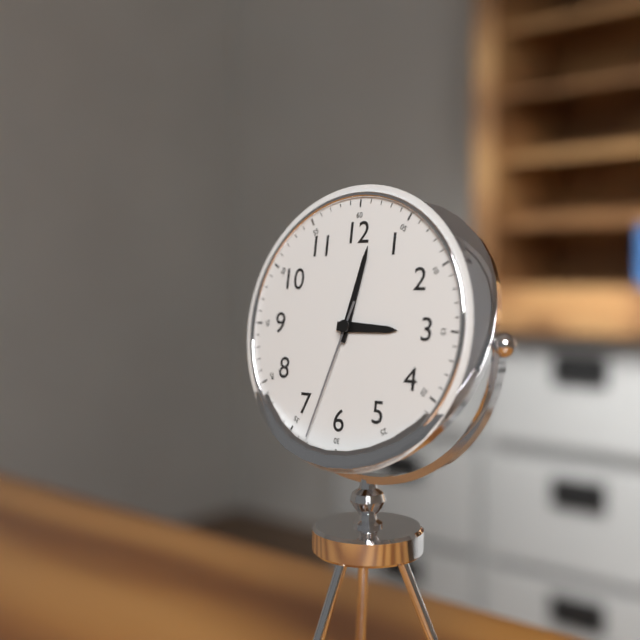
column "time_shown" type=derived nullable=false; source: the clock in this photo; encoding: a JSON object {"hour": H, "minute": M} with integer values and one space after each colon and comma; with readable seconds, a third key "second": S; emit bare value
{"hour": 3, "minute": 2, "second": 33}
